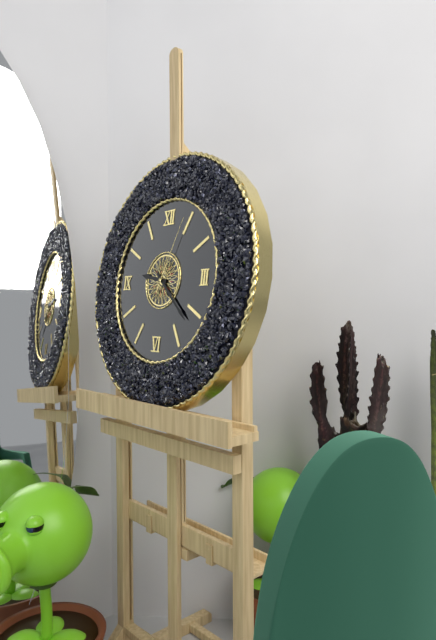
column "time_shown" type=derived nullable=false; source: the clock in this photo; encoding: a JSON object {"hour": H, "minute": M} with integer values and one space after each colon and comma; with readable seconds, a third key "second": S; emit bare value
{"hour": 9, "minute": 22, "second": 4}
